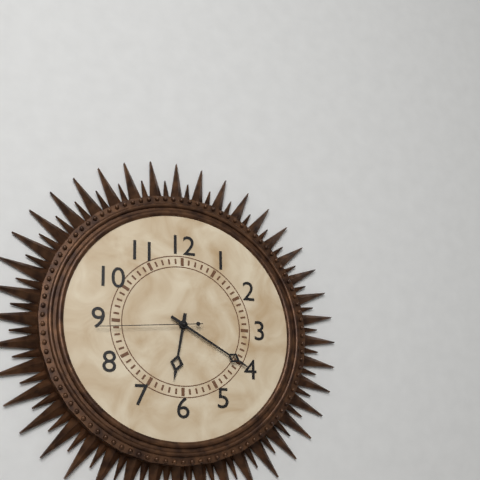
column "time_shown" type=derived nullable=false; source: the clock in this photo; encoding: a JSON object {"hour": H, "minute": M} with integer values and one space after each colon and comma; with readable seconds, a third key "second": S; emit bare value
{"hour": 6, "minute": 20, "second": 44}
